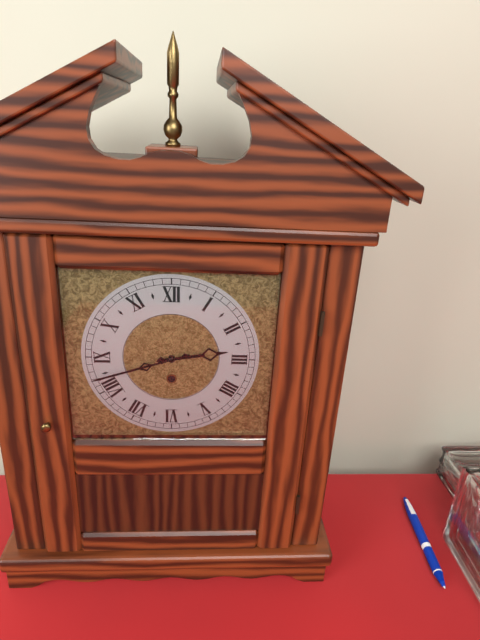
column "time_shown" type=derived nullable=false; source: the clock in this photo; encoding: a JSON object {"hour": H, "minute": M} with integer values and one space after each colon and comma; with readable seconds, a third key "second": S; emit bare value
{"hour": 2, "minute": 42}
